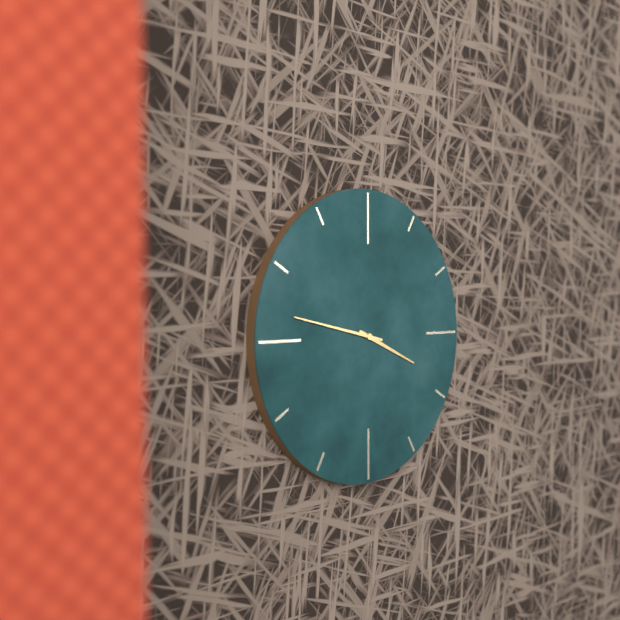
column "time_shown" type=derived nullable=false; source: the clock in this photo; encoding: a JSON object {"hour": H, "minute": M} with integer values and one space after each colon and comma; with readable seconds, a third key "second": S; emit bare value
{"hour": 3, "minute": 47}
